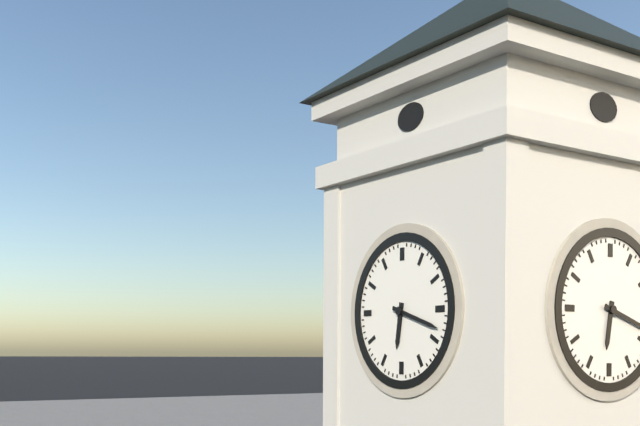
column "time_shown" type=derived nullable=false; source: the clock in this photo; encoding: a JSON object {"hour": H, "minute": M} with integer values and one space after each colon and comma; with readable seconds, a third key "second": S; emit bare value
{"hour": 6, "minute": 18}
